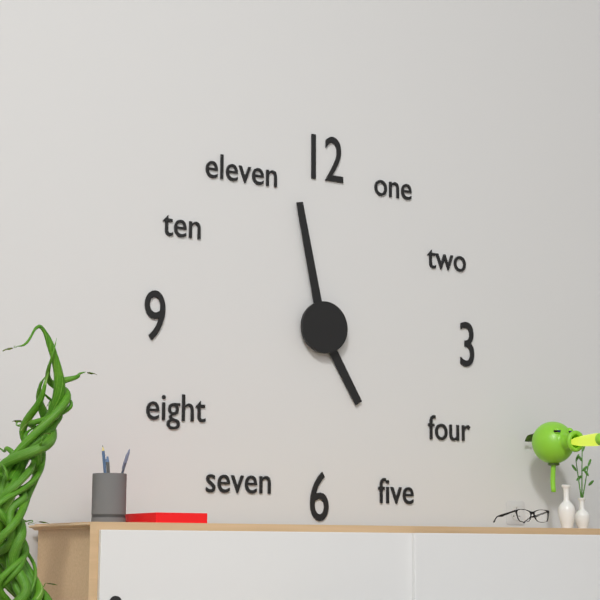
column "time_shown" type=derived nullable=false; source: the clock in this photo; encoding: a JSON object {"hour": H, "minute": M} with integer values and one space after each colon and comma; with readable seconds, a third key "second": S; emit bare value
{"hour": 4, "minute": 58}
